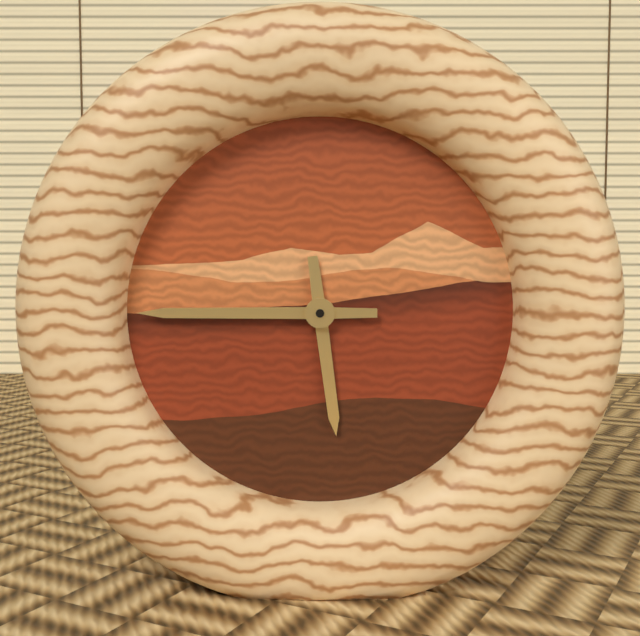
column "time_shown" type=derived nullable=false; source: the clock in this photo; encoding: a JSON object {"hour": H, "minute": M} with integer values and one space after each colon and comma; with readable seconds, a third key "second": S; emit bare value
{"hour": 5, "minute": 45}
